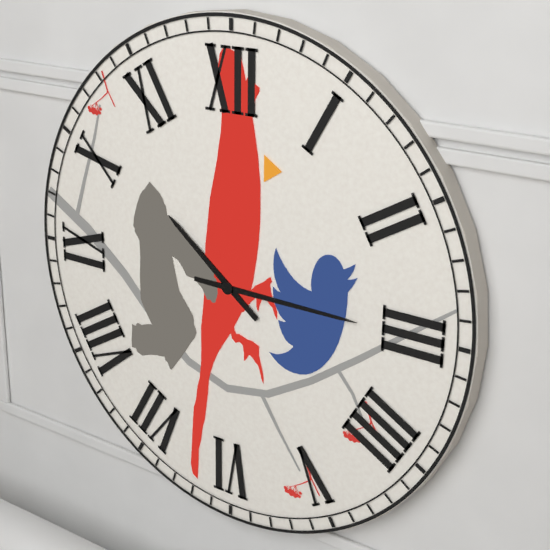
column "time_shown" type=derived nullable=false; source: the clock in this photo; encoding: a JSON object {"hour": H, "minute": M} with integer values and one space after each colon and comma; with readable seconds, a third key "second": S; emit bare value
{"hour": 10, "minute": 15}
